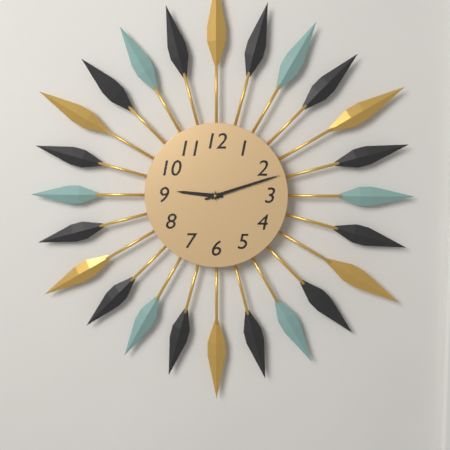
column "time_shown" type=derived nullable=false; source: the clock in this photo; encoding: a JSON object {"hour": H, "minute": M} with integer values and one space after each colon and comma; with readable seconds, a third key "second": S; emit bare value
{"hour": 9, "minute": 12}
